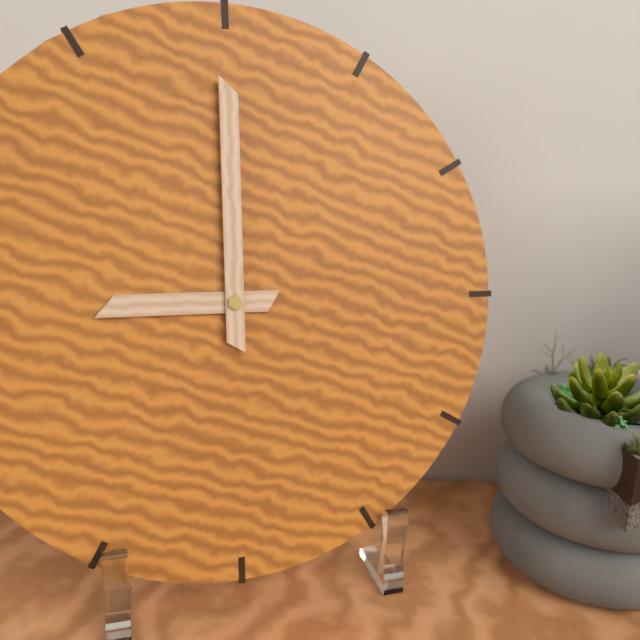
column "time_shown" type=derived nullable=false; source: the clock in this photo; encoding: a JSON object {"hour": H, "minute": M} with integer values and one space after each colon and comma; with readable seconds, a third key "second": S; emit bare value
{"hour": 9, "minute": 0}
